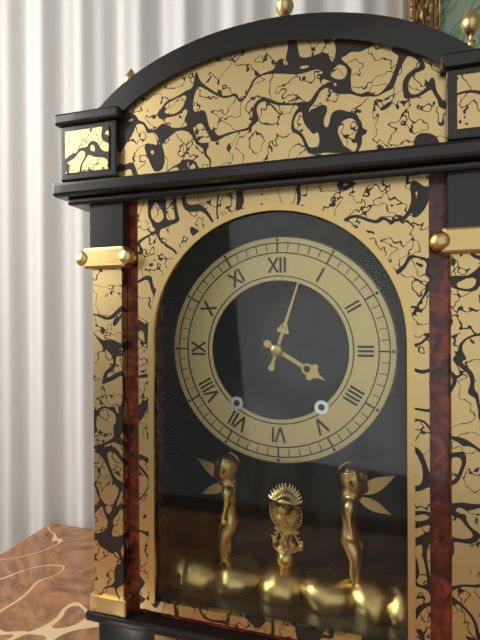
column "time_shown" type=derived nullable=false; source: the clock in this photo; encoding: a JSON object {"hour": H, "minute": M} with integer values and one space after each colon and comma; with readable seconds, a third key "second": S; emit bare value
{"hour": 4, "minute": 3}
